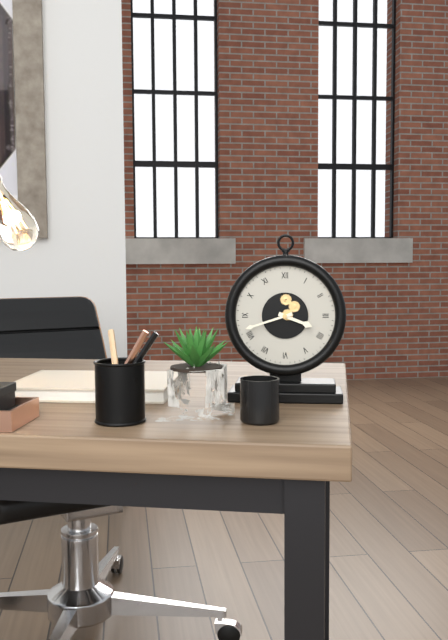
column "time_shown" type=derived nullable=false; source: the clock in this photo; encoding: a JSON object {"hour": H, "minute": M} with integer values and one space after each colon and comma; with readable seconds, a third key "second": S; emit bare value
{"hour": 3, "minute": 42}
